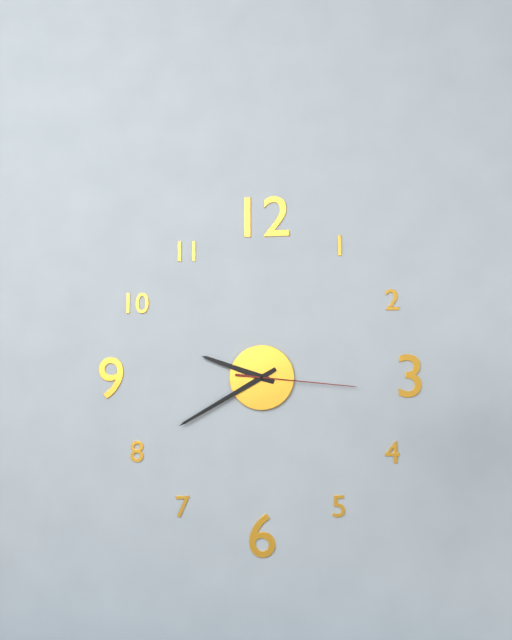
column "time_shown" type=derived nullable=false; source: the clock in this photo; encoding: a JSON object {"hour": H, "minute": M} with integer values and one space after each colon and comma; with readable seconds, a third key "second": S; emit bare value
{"hour": 9, "minute": 40, "second": 16}
